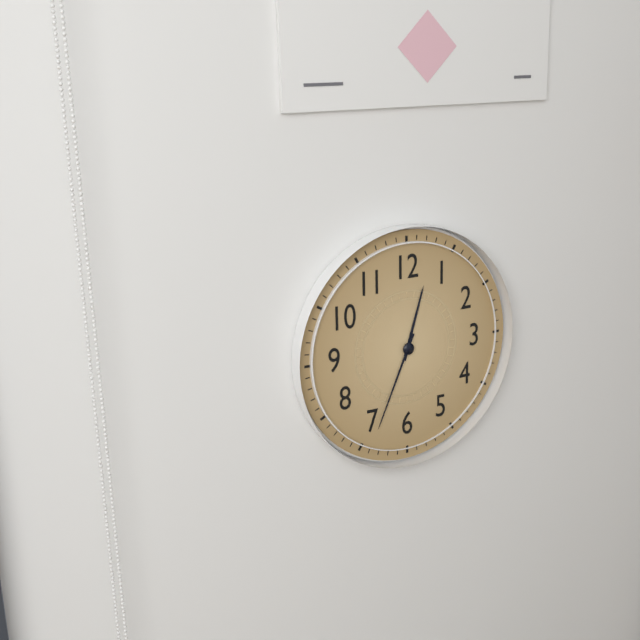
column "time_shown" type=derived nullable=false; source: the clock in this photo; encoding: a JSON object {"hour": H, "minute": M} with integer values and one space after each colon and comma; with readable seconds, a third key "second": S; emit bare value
{"hour": 12, "minute": 34}
